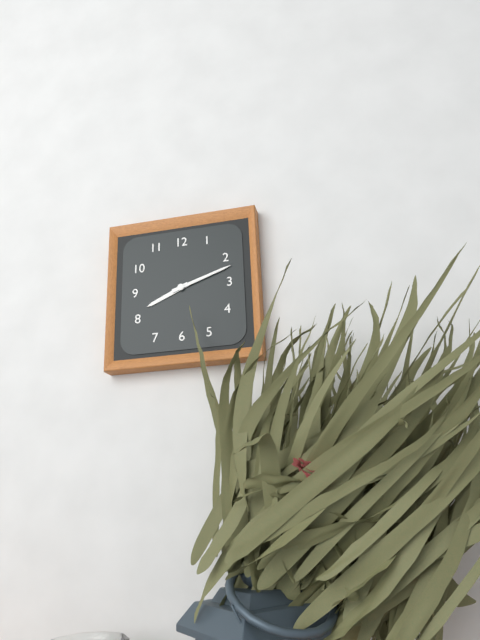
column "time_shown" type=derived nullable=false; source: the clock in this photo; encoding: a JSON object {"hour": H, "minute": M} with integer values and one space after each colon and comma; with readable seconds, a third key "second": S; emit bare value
{"hour": 8, "minute": 12}
